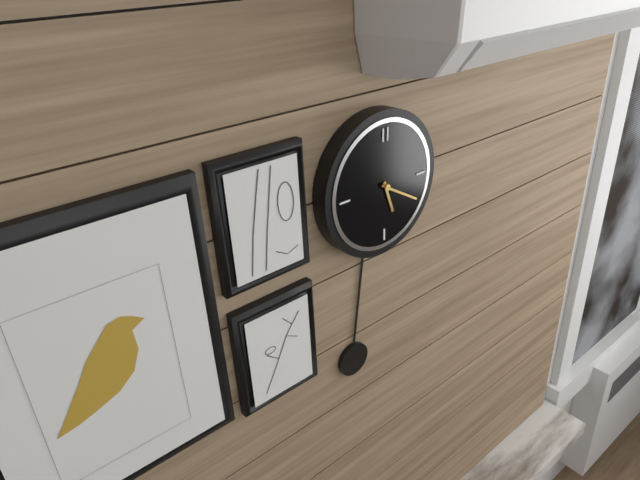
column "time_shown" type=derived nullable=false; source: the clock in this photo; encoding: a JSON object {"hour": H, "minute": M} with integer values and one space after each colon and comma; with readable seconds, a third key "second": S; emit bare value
{"hour": 5, "minute": 20}
